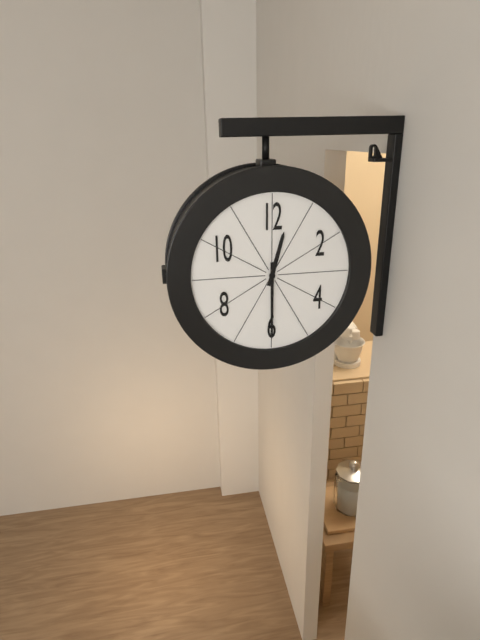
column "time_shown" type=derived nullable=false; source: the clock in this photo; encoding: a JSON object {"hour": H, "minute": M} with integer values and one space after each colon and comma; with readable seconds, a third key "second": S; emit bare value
{"hour": 12, "minute": 30}
